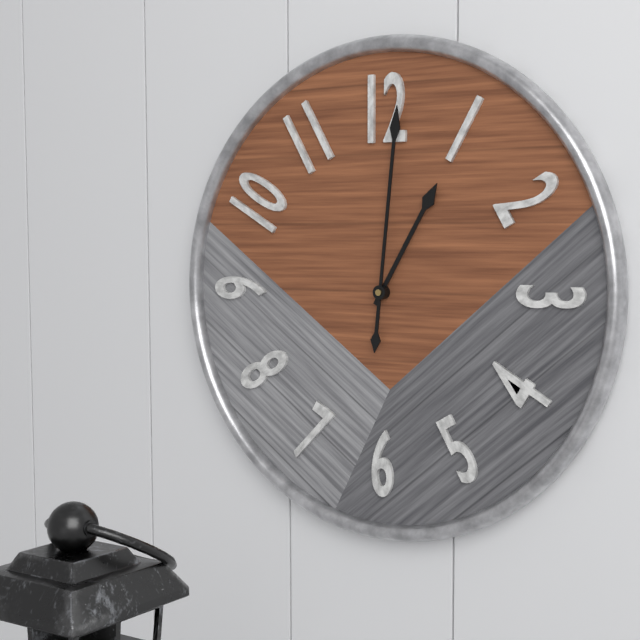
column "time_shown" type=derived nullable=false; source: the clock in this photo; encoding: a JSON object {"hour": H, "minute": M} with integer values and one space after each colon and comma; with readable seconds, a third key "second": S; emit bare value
{"hour": 1, "minute": 1}
